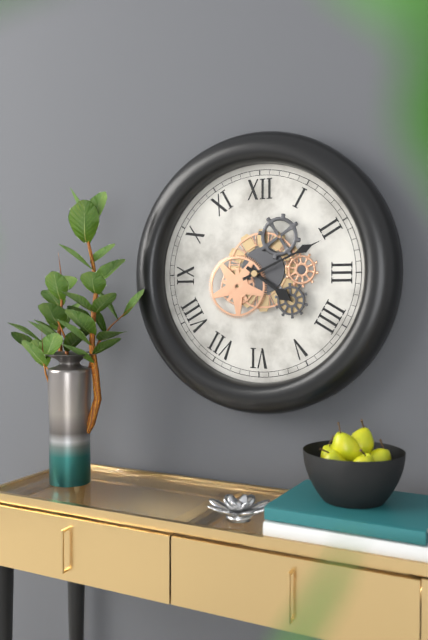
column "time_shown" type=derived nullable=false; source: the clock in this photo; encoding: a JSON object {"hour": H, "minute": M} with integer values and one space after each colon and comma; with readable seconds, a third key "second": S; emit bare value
{"hour": 4, "minute": 11}
